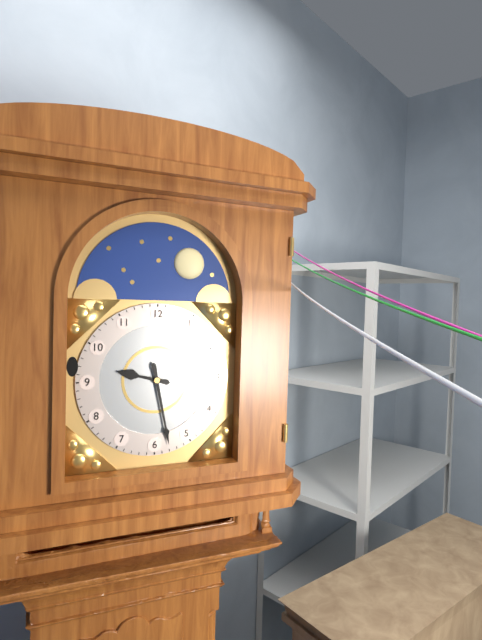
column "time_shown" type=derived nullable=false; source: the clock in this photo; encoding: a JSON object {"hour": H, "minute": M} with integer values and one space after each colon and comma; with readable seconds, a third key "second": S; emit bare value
{"hour": 9, "minute": 28}
